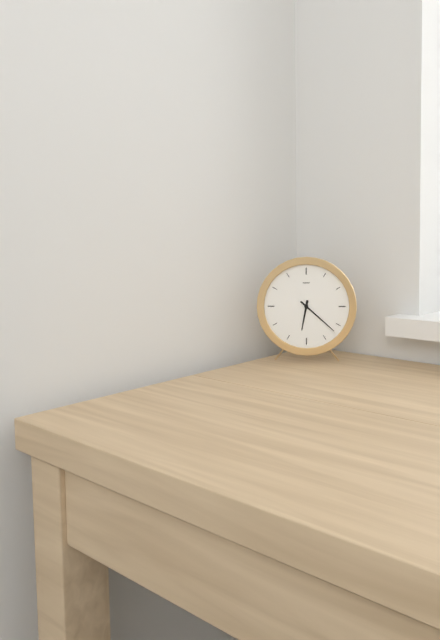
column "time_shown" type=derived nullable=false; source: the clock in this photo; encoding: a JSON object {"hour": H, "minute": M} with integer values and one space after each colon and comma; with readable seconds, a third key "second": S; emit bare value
{"hour": 6, "minute": 22}
